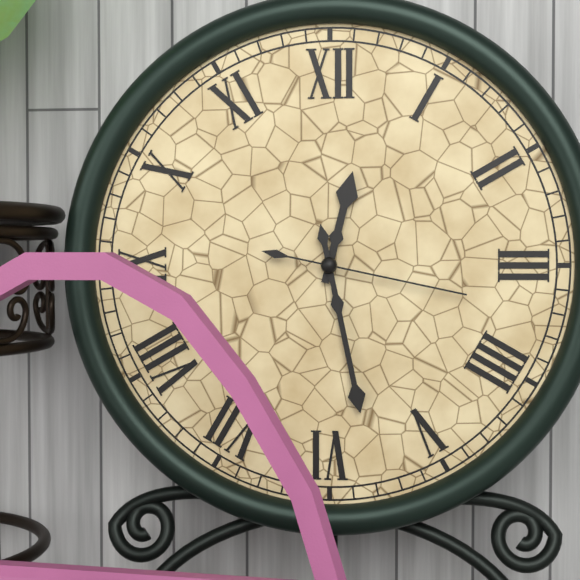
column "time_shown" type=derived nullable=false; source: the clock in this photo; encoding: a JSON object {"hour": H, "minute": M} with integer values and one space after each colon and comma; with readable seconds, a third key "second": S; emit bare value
{"hour": 12, "minute": 28, "second": 17}
